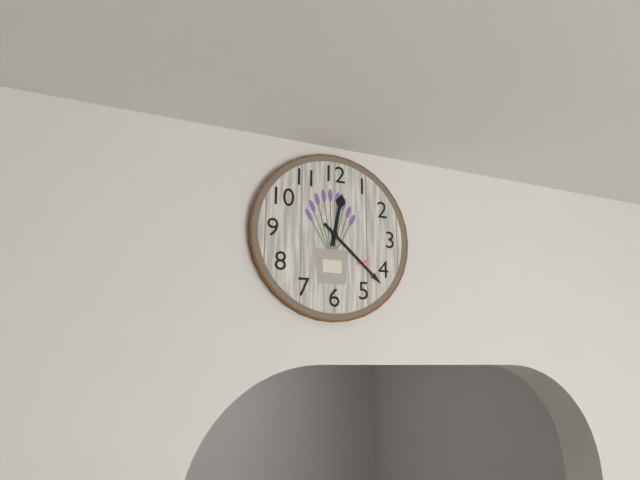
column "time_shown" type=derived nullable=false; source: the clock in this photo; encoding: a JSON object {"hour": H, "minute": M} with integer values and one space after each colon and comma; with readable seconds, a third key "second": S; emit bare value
{"hour": 12, "minute": 22}
